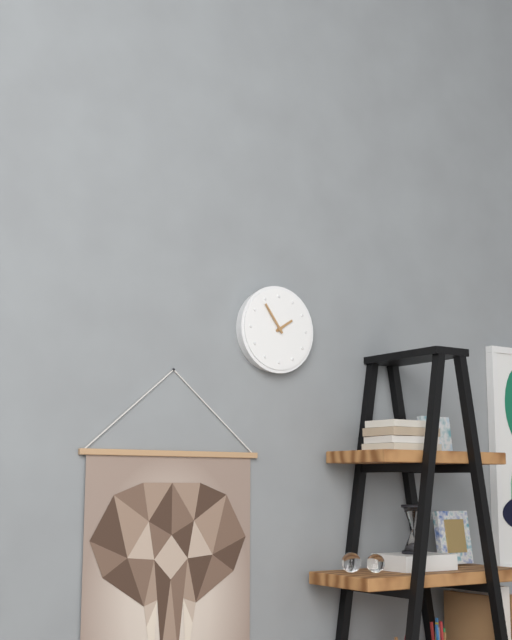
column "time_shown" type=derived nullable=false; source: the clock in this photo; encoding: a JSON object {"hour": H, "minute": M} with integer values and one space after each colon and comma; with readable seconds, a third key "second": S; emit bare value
{"hour": 1, "minute": 54}
